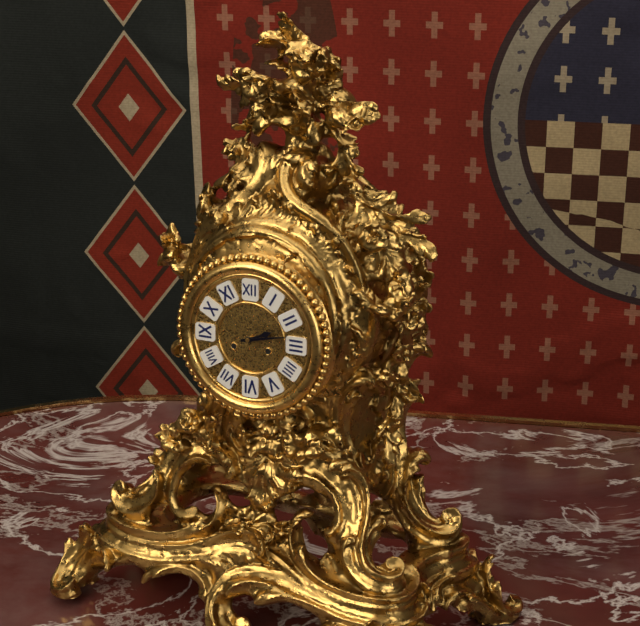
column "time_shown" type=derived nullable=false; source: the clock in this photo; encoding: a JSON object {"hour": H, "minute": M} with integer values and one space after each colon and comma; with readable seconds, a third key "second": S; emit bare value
{"hour": 2, "minute": 13}
